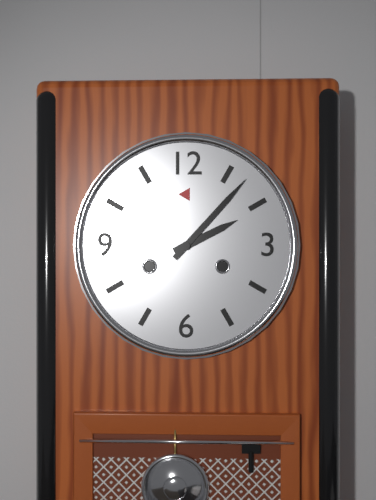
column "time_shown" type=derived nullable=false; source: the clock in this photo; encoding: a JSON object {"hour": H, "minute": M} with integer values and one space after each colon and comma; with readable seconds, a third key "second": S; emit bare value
{"hour": 2, "minute": 7}
